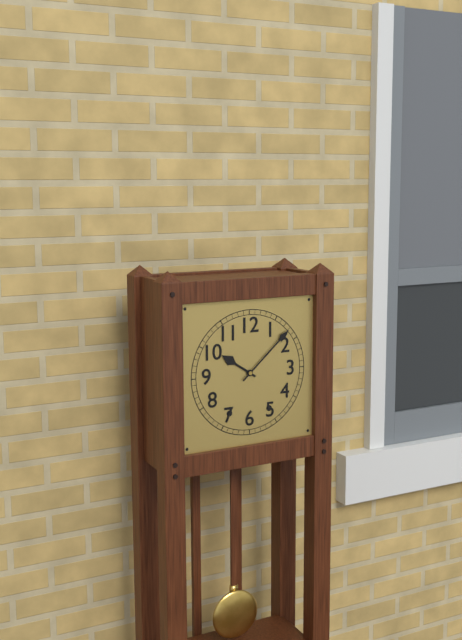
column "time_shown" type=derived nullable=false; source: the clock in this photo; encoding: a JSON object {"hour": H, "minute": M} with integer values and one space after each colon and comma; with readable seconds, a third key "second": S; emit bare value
{"hour": 10, "minute": 8}
